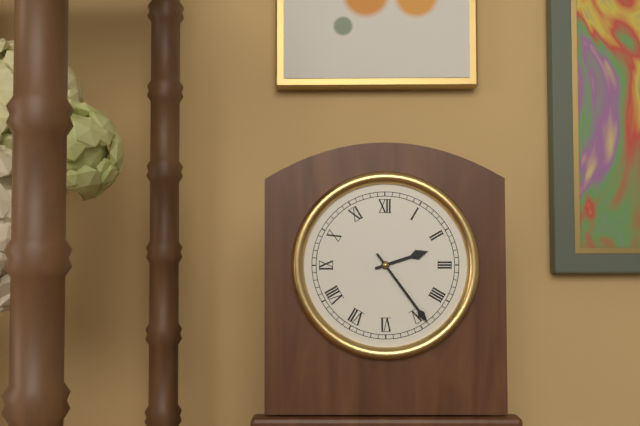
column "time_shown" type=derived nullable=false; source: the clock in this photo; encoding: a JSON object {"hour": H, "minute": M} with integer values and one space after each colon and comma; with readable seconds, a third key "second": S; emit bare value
{"hour": 2, "minute": 24}
